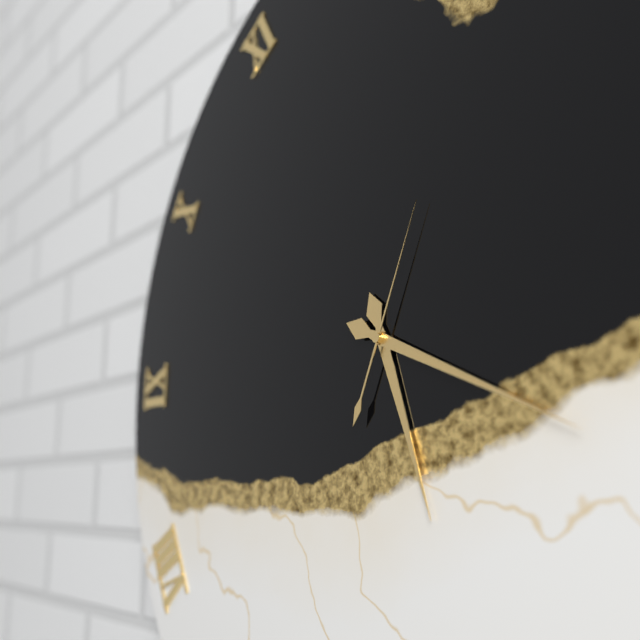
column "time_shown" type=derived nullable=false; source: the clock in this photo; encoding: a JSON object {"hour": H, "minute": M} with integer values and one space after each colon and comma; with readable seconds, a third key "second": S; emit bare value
{"hour": 5, "minute": 19, "second": 4}
